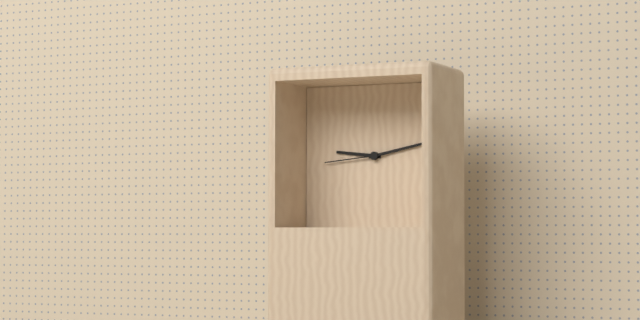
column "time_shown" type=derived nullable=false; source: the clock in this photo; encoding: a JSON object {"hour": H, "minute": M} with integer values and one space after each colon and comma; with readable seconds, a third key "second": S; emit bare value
{"hour": 9, "minute": 13, "second": 44}
